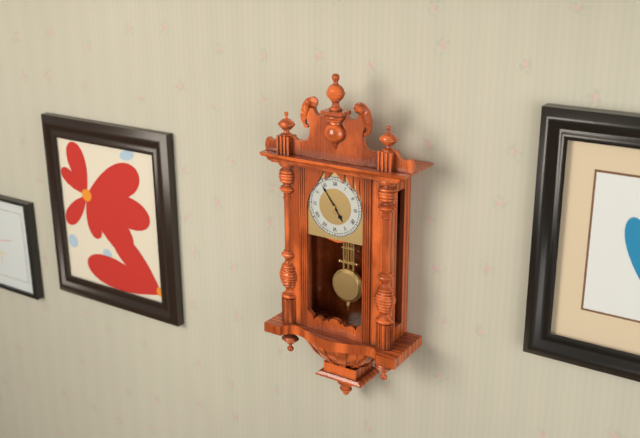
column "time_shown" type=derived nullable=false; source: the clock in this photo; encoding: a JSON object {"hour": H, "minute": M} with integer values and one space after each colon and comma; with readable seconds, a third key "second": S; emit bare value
{"hour": 4, "minute": 54}
